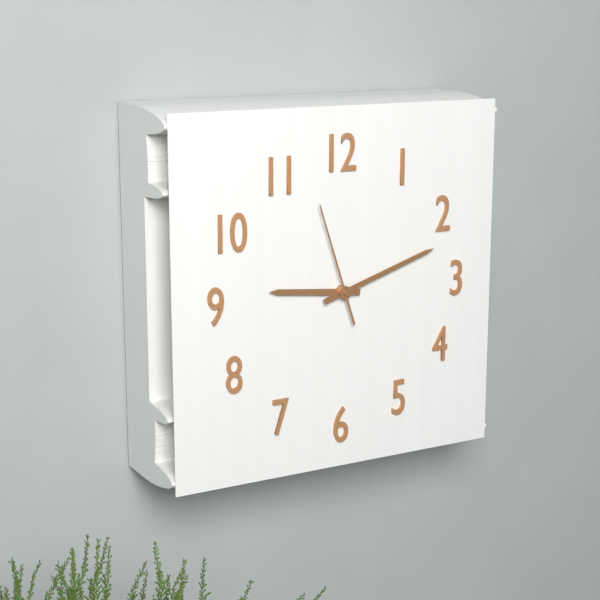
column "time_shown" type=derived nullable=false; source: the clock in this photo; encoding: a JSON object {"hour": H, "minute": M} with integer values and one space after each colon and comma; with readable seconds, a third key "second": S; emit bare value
{"hour": 9, "minute": 12, "second": 57}
